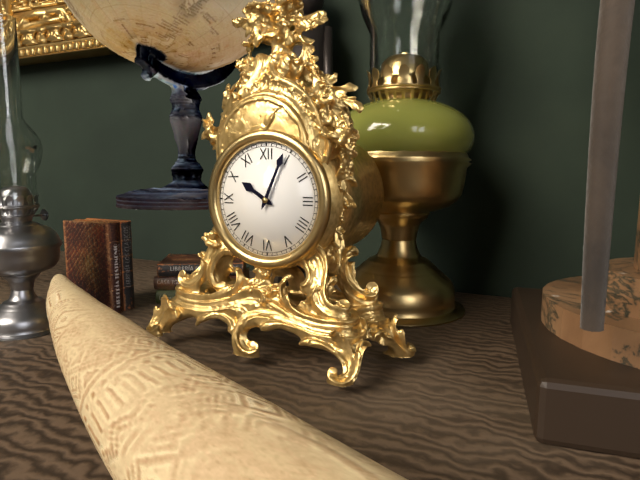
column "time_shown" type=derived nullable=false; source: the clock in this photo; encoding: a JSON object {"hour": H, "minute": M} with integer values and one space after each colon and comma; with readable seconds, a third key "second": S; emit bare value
{"hour": 10, "minute": 4}
